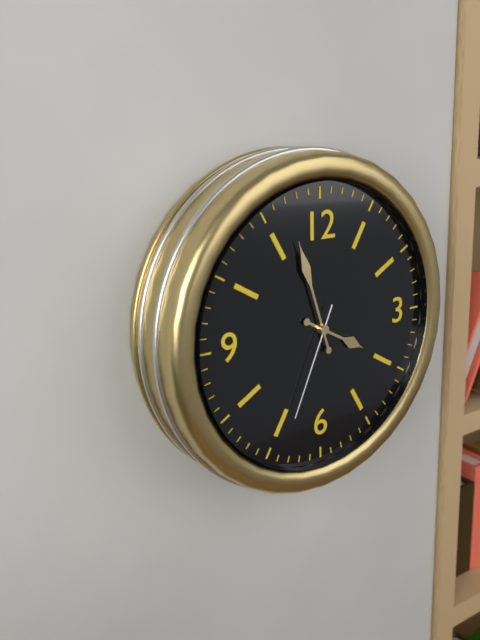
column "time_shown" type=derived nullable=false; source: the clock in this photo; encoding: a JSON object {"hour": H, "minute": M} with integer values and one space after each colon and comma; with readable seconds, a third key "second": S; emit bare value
{"hour": 3, "minute": 57, "second": 34}
